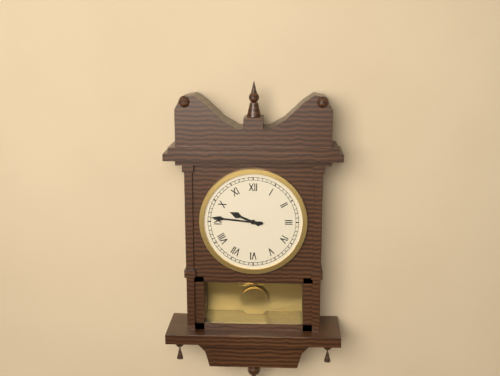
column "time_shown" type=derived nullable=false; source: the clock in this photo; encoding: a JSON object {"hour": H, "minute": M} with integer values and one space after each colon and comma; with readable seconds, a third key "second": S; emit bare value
{"hour": 9, "minute": 46}
